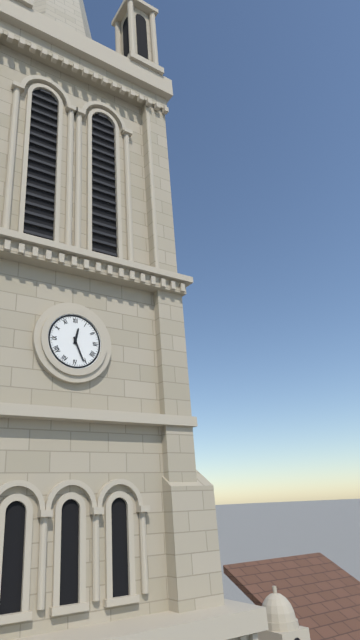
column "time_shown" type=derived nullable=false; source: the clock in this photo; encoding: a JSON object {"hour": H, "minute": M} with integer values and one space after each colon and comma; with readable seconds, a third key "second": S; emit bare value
{"hour": 12, "minute": 26}
